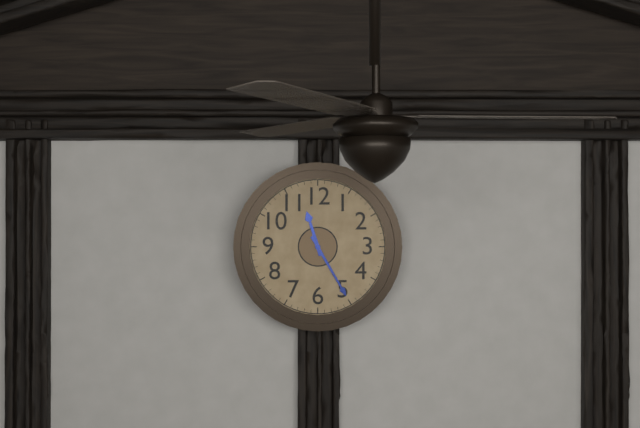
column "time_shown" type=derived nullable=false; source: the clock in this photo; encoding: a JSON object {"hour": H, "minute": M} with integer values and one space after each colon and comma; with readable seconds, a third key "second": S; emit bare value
{"hour": 11, "minute": 25}
